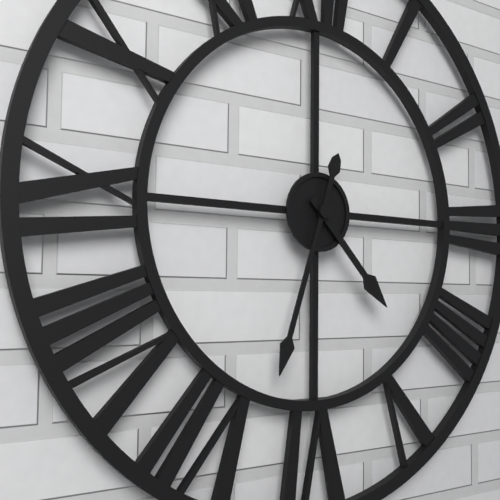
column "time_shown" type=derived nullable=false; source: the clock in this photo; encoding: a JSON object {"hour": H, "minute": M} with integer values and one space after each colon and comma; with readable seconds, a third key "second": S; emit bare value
{"hour": 4, "minute": 33}
